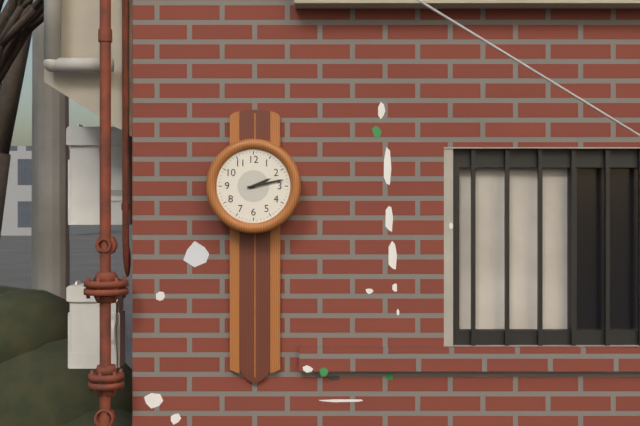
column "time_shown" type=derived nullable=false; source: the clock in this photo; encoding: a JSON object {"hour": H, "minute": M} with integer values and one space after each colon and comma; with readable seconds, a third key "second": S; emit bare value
{"hour": 2, "minute": 13}
